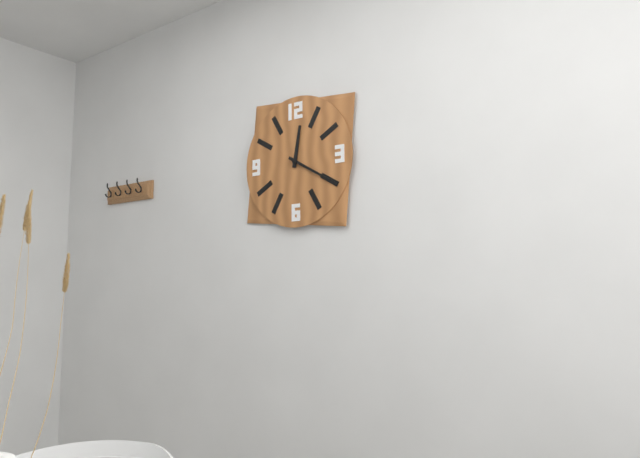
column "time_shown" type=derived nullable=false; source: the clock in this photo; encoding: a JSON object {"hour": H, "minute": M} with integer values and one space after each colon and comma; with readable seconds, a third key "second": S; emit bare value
{"hour": 12, "minute": 20}
